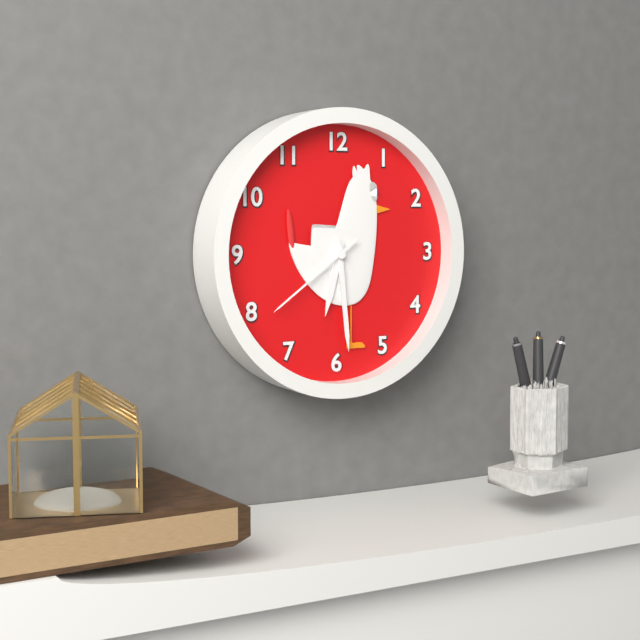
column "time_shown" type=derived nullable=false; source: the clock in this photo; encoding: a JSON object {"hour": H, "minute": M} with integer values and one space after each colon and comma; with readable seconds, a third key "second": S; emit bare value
{"hour": 6, "minute": 29, "second": 39}
